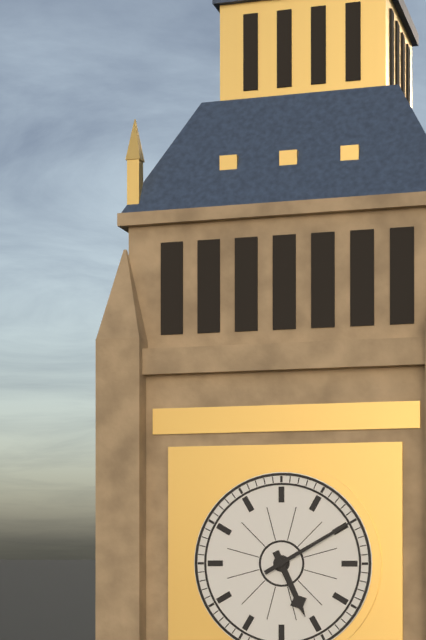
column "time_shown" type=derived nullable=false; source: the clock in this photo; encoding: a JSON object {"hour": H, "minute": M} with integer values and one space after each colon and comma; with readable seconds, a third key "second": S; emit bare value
{"hour": 5, "minute": 10}
